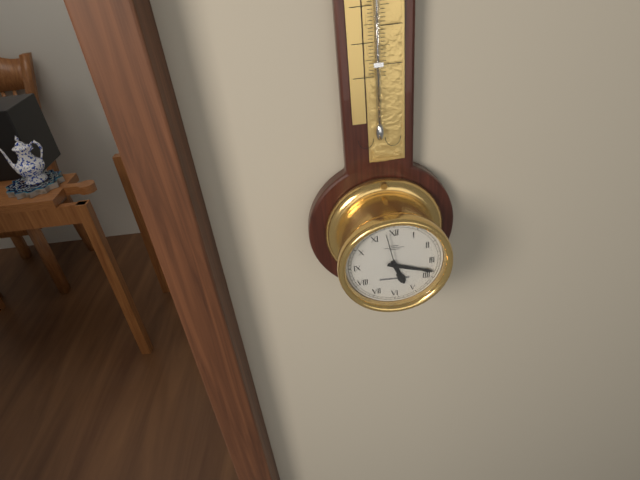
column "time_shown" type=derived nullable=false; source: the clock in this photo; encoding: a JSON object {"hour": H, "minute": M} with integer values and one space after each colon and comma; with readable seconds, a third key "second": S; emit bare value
{"hour": 5, "minute": 18}
